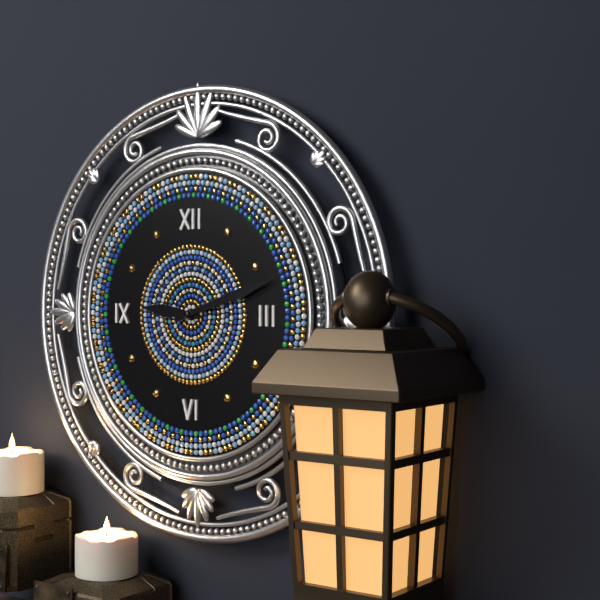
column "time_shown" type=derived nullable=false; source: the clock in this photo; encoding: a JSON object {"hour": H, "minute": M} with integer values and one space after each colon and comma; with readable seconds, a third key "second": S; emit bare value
{"hour": 9, "minute": 12}
